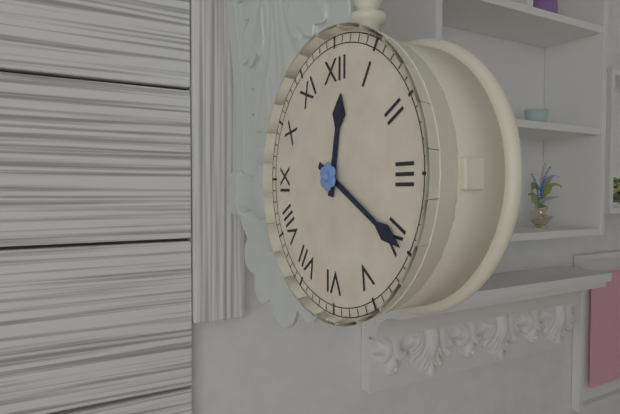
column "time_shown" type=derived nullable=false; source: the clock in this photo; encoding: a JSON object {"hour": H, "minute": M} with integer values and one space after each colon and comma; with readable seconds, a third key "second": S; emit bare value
{"hour": 12, "minute": 20}
